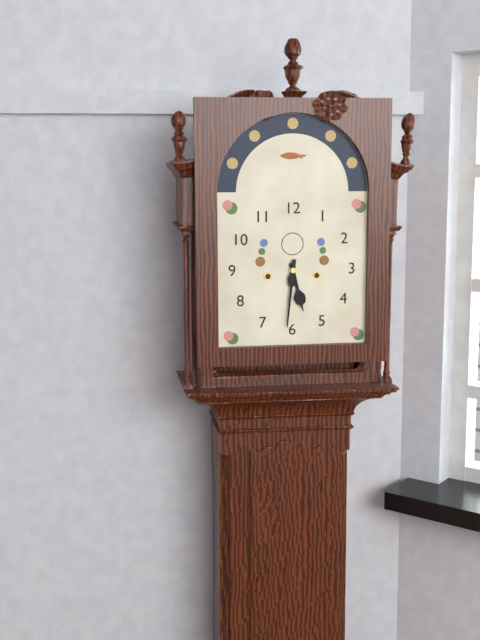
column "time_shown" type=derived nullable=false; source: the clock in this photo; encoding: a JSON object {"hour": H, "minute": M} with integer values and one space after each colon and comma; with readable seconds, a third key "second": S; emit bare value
{"hour": 5, "minute": 31}
